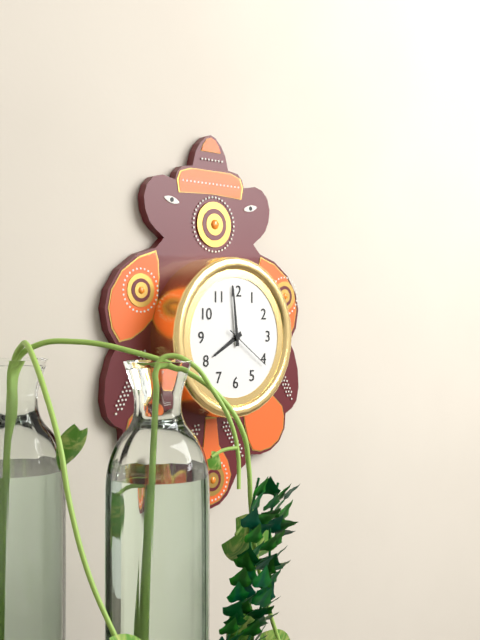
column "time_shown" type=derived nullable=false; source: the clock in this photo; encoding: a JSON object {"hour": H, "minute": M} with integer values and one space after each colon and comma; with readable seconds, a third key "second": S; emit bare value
{"hour": 7, "minute": 59, "second": 21}
